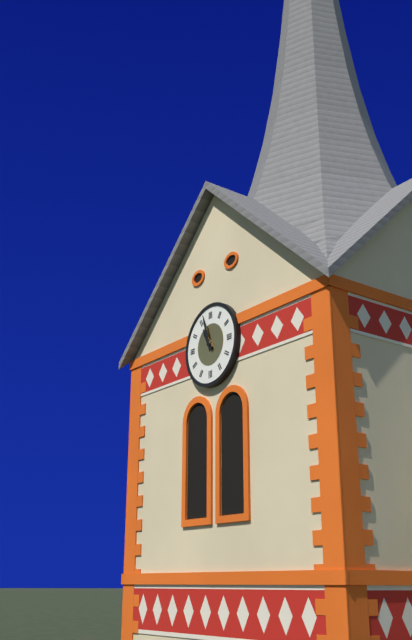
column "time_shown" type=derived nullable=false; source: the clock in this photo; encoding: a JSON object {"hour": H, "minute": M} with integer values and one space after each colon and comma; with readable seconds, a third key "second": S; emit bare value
{"hour": 10, "minute": 57}
